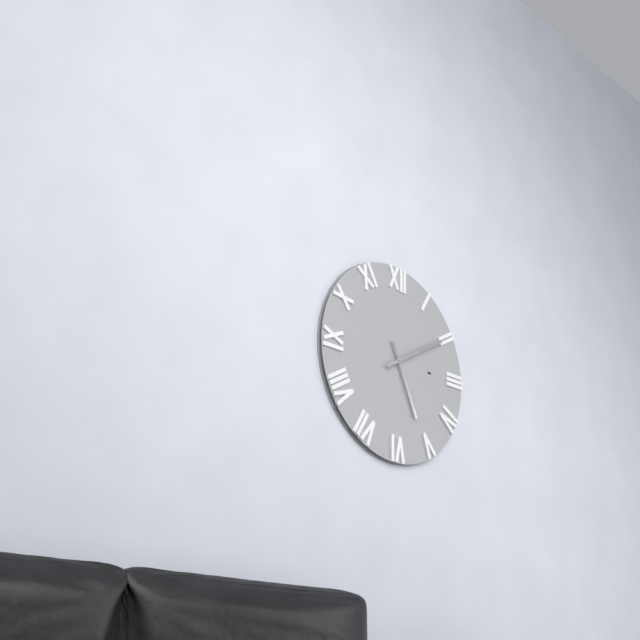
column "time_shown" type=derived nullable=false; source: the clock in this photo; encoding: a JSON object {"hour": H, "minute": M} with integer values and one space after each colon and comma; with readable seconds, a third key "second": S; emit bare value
{"hour": 5, "minute": 10}
